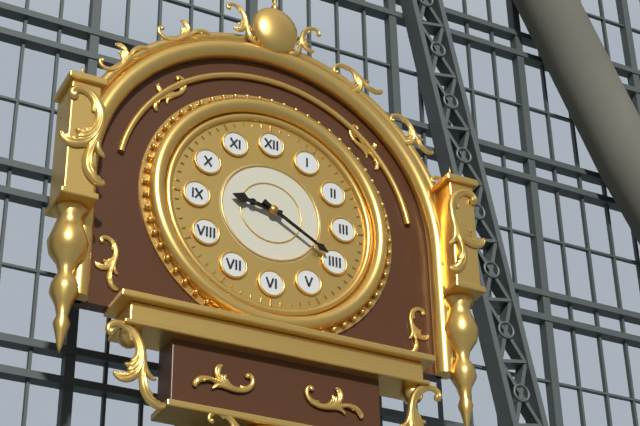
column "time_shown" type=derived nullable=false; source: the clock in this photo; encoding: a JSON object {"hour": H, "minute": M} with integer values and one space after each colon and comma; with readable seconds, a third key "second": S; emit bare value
{"hour": 9, "minute": 20}
